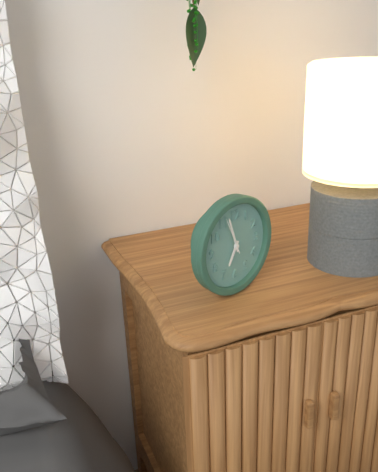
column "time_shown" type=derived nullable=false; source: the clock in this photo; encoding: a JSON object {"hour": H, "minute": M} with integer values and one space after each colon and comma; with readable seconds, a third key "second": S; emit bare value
{"hour": 6, "minute": 57}
